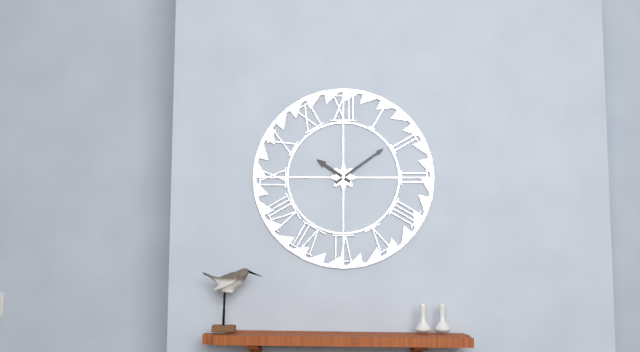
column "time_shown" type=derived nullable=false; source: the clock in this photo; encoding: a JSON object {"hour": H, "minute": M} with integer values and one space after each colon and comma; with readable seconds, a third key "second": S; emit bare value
{"hour": 10, "minute": 9}
